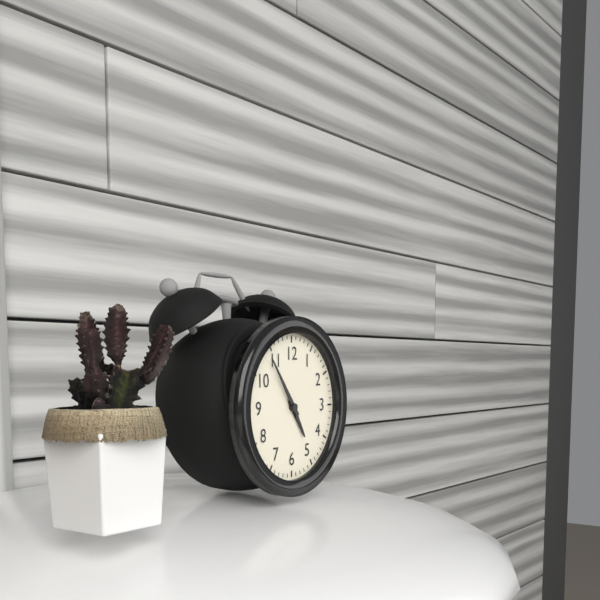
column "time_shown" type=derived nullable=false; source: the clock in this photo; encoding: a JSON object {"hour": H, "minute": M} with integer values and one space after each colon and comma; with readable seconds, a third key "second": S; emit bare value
{"hour": 4, "minute": 54}
